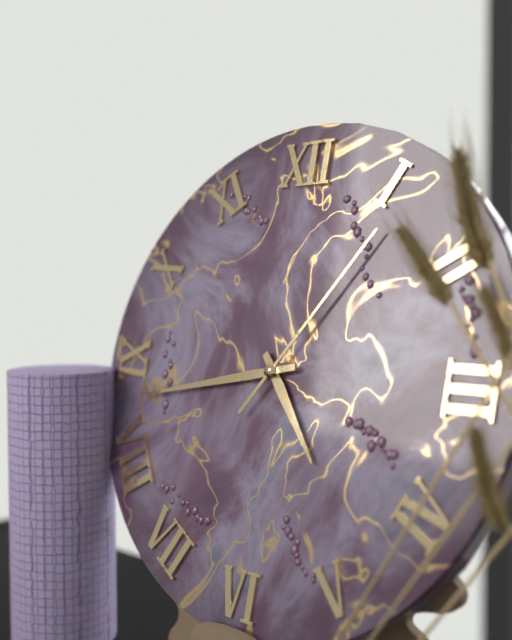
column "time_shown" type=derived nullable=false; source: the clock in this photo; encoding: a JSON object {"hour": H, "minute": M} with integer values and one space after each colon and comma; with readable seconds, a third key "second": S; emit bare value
{"hour": 4, "minute": 43, "second": 6}
